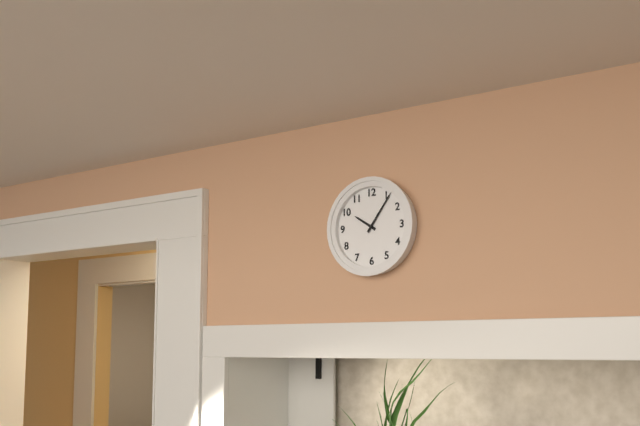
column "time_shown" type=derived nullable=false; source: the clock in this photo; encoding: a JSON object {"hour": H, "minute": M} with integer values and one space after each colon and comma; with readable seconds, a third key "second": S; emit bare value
{"hour": 10, "minute": 6}
